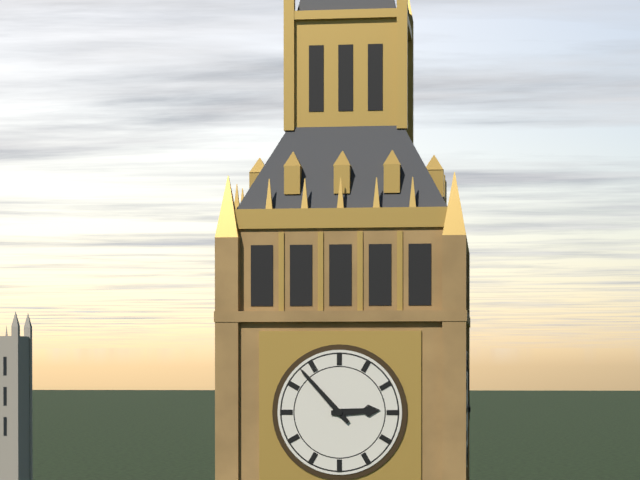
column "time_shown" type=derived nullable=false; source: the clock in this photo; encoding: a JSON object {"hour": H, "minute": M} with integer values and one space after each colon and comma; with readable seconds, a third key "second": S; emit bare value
{"hour": 2, "minute": 53}
